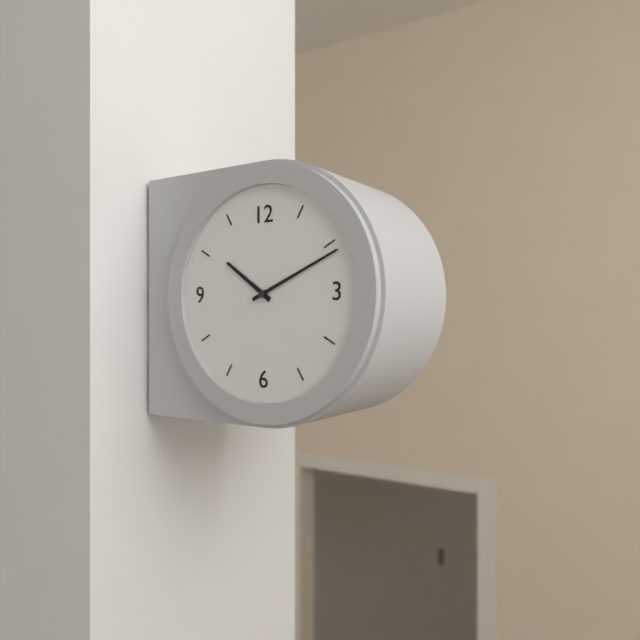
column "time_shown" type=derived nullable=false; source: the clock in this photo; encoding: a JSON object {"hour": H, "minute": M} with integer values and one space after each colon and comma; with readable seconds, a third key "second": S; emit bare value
{"hour": 10, "minute": 11}
